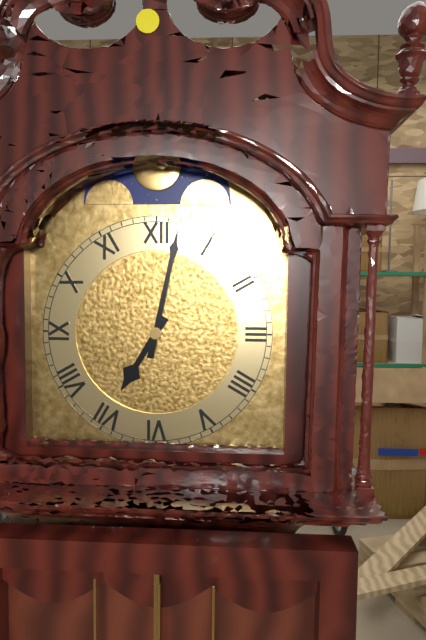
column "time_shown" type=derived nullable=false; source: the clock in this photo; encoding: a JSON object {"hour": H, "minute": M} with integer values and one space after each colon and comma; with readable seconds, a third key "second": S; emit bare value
{"hour": 7, "minute": 2}
